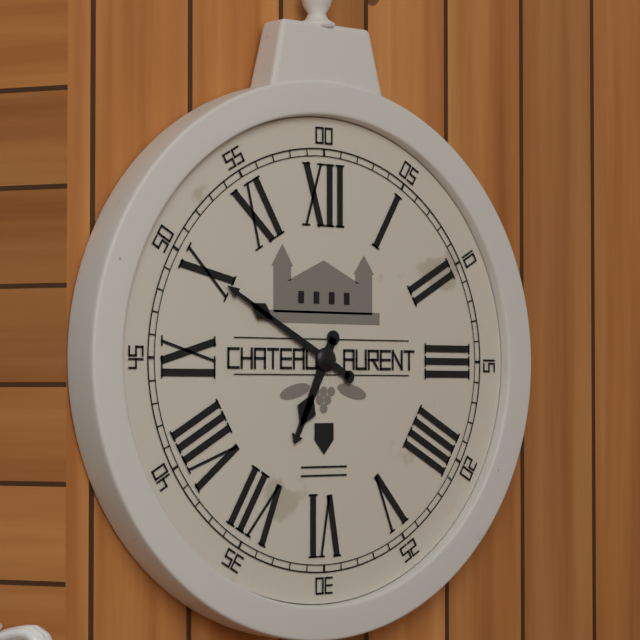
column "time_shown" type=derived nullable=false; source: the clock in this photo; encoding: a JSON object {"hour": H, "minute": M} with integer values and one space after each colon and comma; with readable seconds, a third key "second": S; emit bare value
{"hour": 6, "minute": 50}
